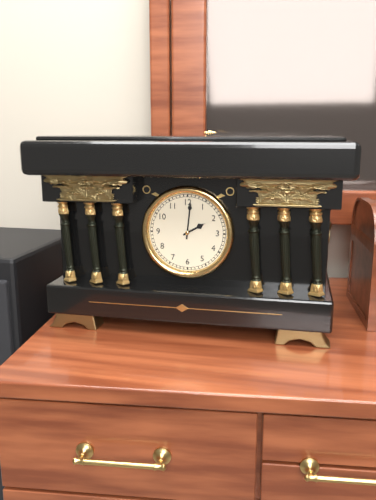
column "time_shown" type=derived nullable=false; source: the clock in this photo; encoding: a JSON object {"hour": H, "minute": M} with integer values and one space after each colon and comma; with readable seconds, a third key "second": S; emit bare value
{"hour": 2, "minute": 1}
